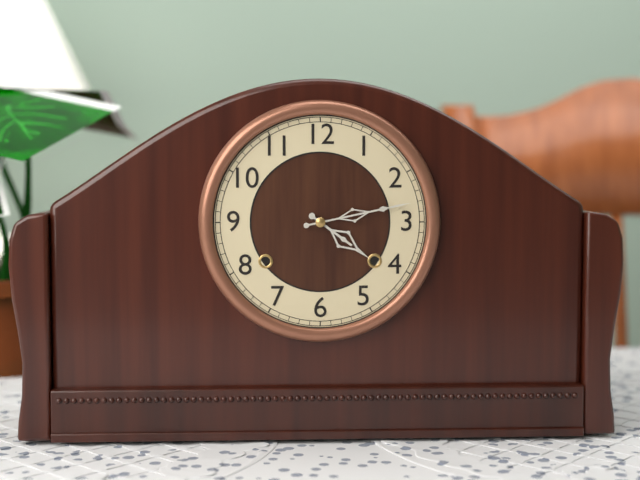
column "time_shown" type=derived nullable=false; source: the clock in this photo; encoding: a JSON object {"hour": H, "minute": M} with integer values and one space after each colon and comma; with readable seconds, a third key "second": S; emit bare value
{"hour": 4, "minute": 13}
